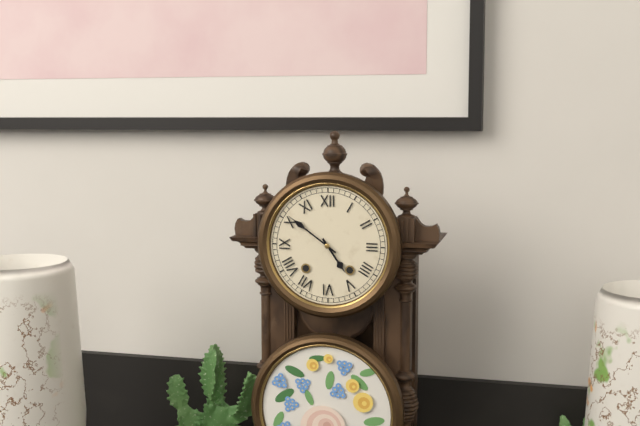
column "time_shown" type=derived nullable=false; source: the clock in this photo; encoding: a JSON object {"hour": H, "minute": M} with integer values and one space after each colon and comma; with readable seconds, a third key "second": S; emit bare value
{"hour": 4, "minute": 51}
